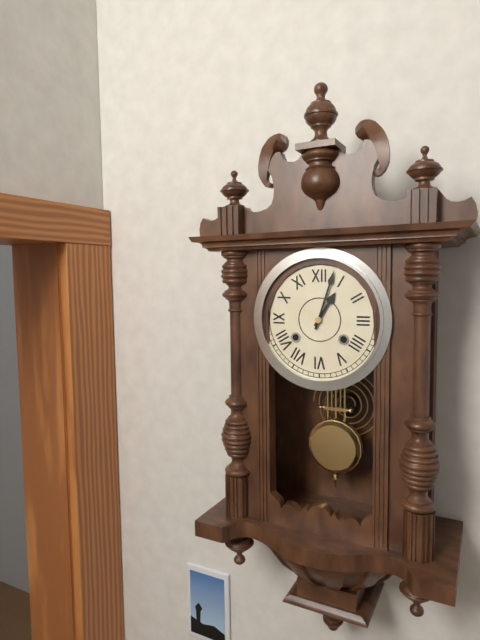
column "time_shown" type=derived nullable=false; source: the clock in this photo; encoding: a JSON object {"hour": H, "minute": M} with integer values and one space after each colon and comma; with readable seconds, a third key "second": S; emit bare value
{"hour": 1, "minute": 3}
